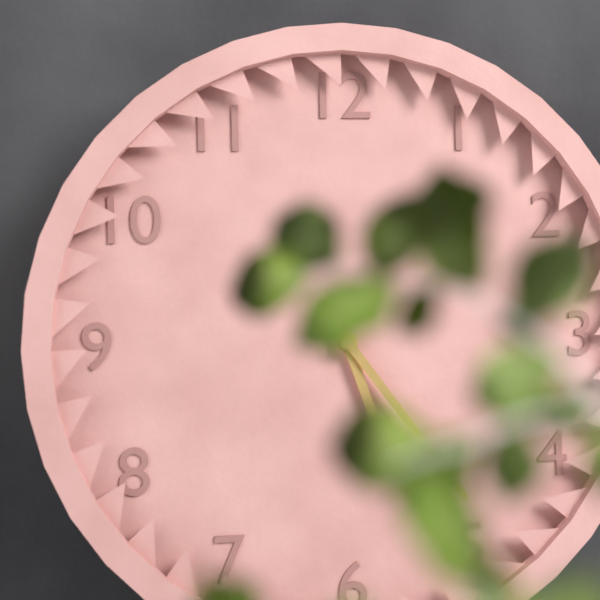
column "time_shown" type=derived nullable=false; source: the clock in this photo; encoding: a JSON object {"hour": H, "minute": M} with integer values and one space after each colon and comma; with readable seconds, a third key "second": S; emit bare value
{"hour": 5, "minute": 24}
